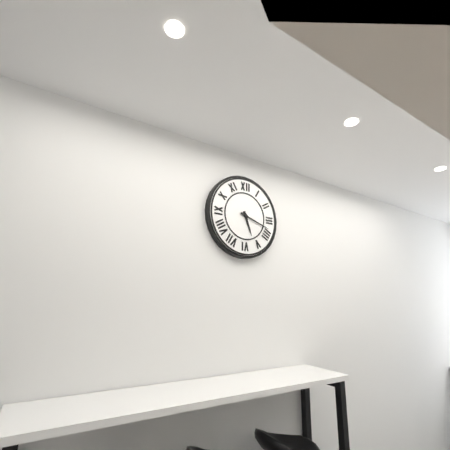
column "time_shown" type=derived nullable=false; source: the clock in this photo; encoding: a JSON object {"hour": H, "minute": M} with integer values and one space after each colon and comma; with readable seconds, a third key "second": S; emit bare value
{"hour": 5, "minute": 18}
